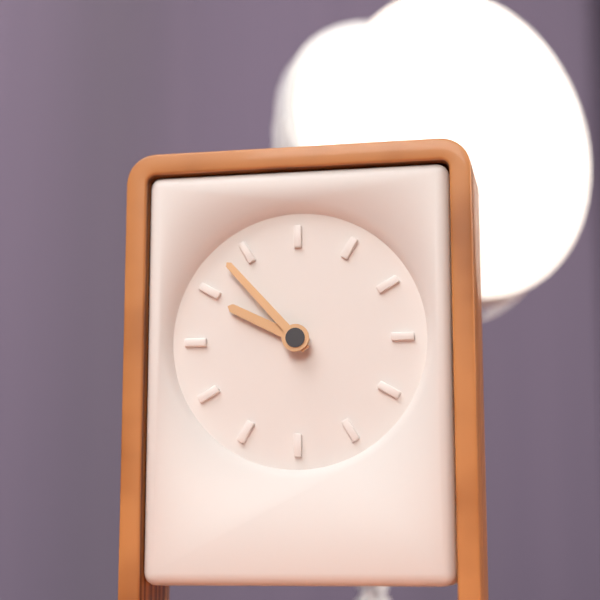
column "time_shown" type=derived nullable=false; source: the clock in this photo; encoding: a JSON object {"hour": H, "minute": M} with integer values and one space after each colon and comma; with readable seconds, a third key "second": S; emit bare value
{"hour": 9, "minute": 53}
